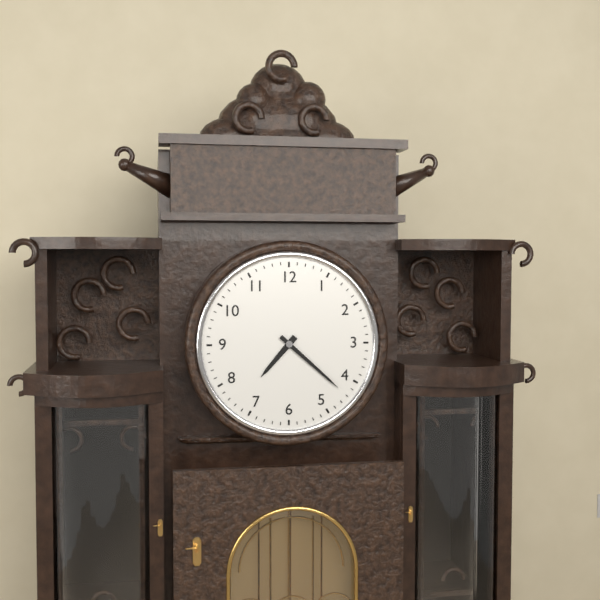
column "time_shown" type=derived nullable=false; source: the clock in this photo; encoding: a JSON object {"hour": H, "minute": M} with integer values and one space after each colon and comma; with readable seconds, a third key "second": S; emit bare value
{"hour": 7, "minute": 22}
